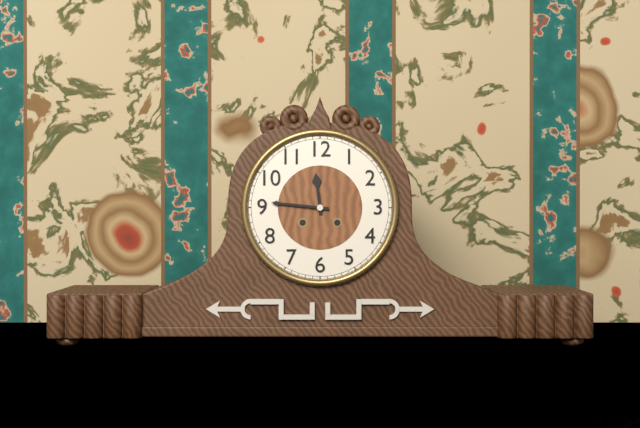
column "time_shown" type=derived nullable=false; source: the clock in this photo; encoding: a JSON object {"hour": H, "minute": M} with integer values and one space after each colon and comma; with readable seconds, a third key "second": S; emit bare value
{"hour": 11, "minute": 46}
